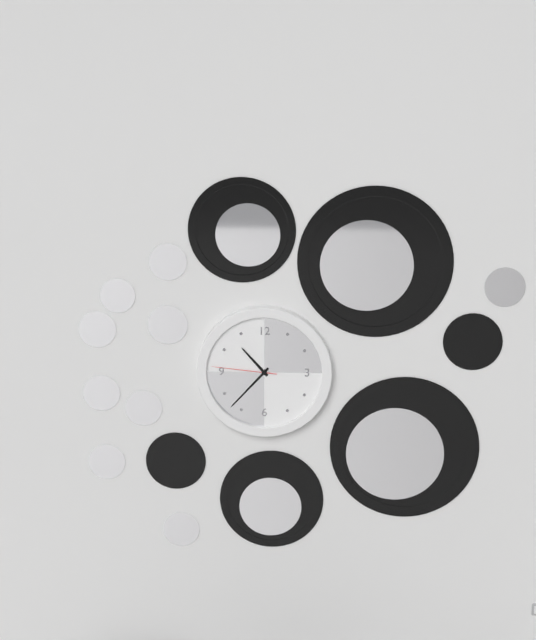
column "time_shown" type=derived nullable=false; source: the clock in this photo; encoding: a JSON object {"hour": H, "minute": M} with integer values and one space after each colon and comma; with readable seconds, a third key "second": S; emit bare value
{"hour": 10, "minute": 37, "second": 46}
